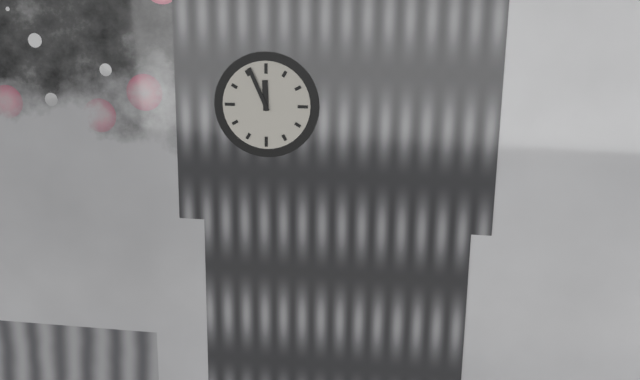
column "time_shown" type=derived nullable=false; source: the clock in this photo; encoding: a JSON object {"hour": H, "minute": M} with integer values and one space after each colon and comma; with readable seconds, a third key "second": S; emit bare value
{"hour": 11, "minute": 56}
